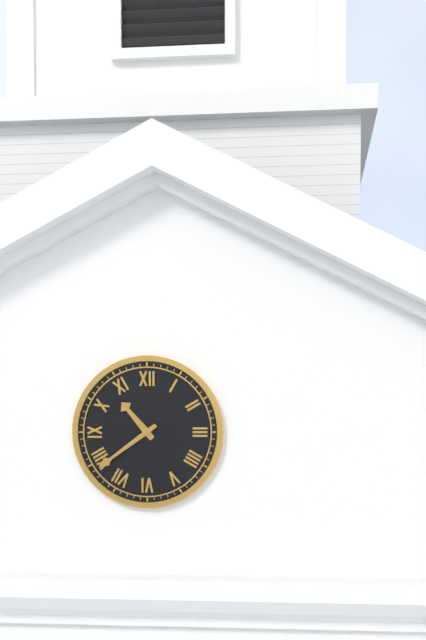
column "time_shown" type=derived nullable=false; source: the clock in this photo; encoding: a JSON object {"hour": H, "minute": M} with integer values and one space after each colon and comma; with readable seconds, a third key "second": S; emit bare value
{"hour": 10, "minute": 39}
